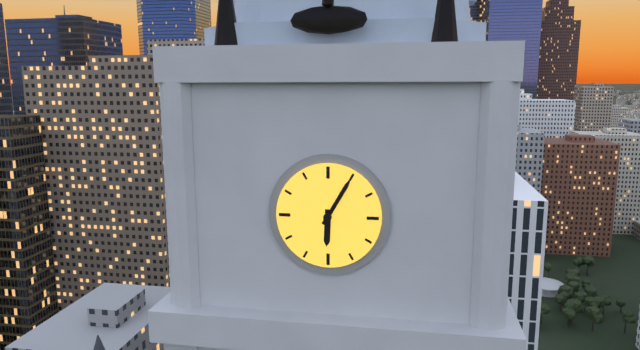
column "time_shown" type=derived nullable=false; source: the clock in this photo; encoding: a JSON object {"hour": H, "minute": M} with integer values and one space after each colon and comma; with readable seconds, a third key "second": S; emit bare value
{"hour": 6, "minute": 5}
